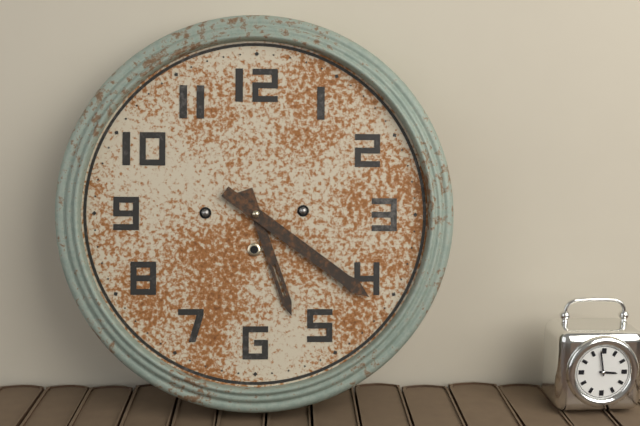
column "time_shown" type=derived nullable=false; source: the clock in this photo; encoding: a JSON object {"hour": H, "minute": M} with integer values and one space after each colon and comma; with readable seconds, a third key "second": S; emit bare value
{"hour": 5, "minute": 21}
